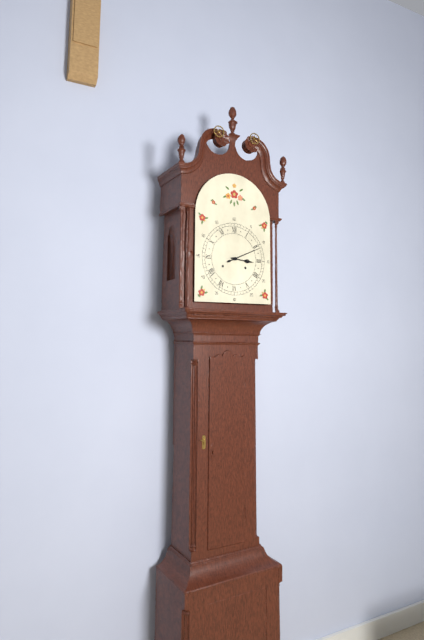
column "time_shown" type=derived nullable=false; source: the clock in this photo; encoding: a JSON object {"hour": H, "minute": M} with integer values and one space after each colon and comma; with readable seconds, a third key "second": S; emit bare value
{"hour": 3, "minute": 11}
